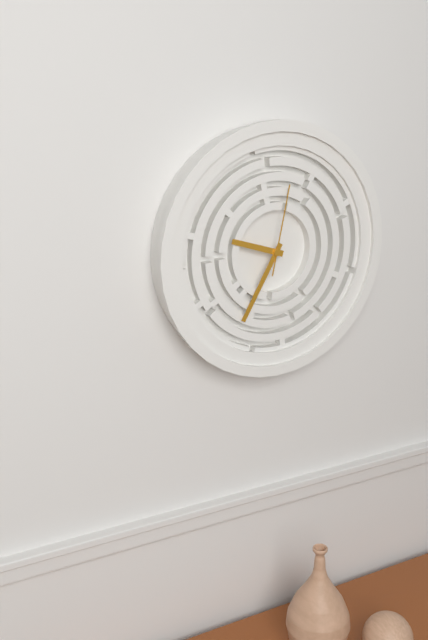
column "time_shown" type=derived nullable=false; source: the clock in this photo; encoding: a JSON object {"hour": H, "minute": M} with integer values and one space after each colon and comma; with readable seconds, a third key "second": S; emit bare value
{"hour": 9, "minute": 35, "second": 2}
